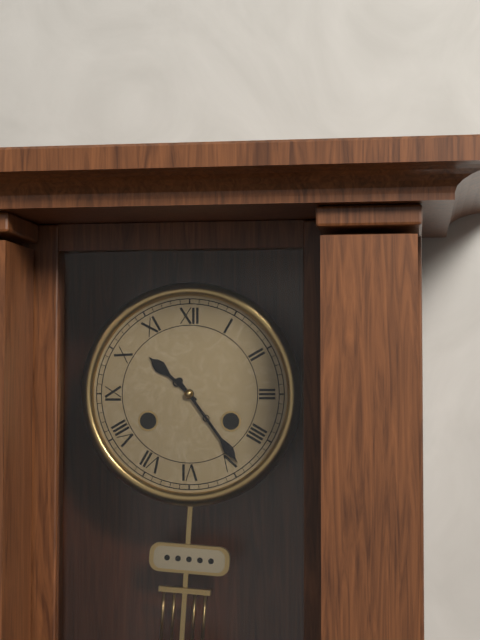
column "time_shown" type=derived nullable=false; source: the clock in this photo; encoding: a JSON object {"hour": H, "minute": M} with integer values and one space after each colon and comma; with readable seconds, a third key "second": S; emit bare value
{"hour": 10, "minute": 24}
